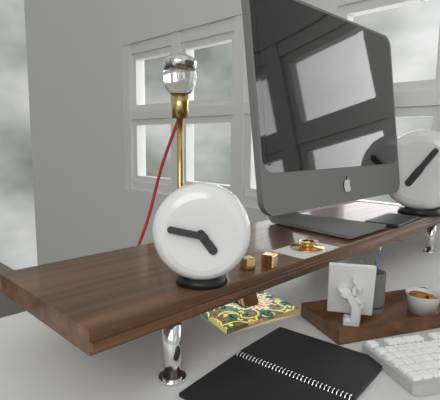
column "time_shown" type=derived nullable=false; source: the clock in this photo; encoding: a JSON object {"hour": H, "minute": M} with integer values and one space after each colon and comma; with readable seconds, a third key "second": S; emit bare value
{"hour": 4, "minute": 47}
